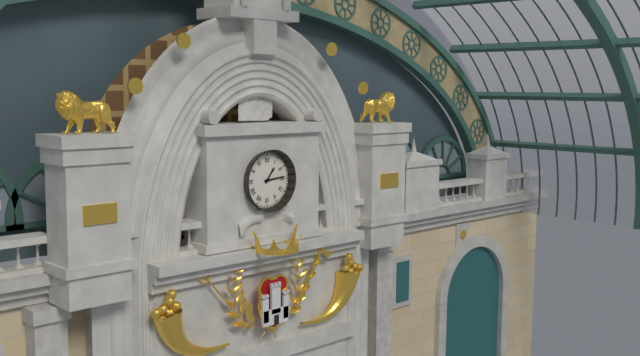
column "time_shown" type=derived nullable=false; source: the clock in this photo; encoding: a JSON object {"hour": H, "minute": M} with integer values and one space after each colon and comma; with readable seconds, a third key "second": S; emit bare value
{"hour": 1, "minute": 14}
